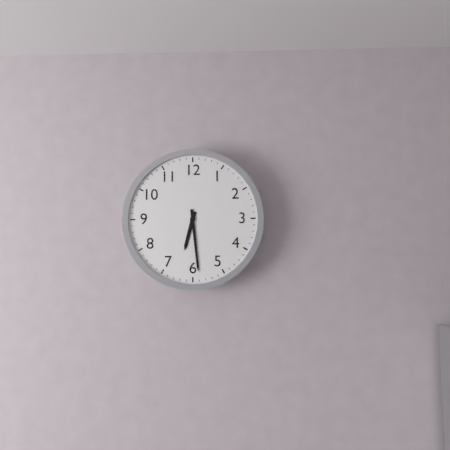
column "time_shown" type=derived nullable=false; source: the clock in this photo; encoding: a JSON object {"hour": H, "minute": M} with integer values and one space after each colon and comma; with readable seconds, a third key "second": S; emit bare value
{"hour": 6, "minute": 29}
